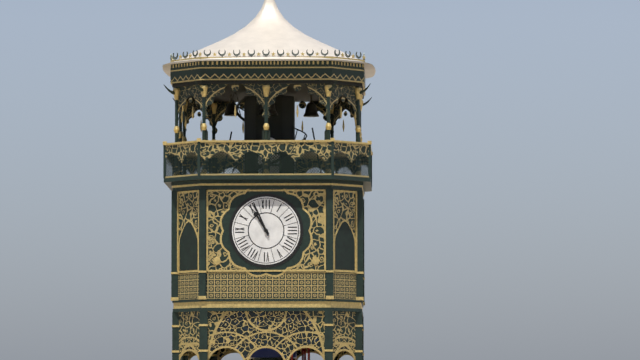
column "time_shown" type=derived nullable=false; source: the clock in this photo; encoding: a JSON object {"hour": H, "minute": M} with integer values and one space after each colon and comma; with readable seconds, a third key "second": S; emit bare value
{"hour": 10, "minute": 56}
